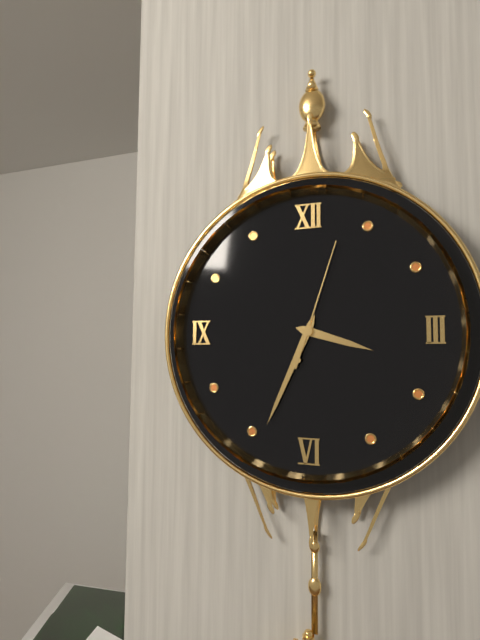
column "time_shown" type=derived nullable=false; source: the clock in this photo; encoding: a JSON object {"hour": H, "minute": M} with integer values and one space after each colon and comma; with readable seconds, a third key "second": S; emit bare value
{"hour": 3, "minute": 34, "second": 3}
